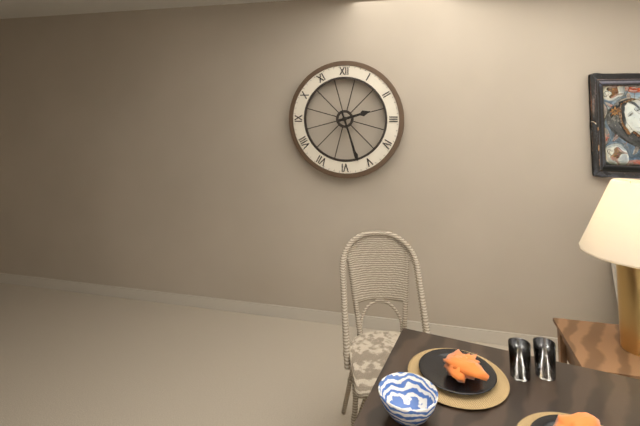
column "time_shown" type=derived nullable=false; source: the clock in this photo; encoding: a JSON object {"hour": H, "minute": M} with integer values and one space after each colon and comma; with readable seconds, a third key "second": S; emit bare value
{"hour": 2, "minute": 27}
